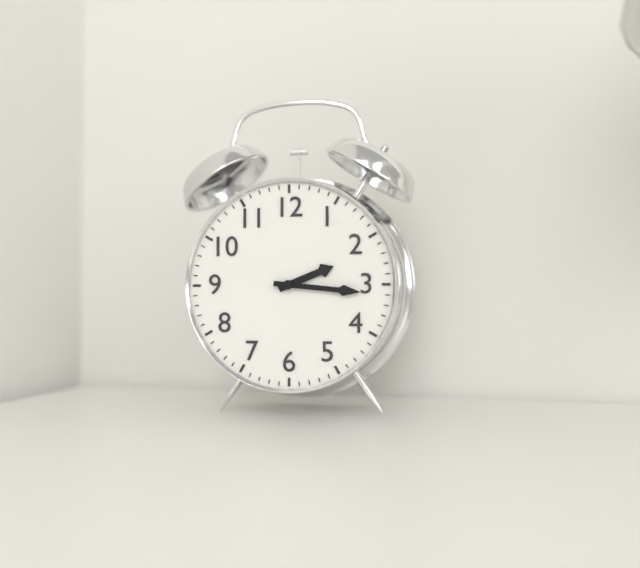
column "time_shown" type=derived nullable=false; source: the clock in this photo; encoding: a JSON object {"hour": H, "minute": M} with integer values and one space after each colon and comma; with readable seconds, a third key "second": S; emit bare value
{"hour": 2, "minute": 16}
